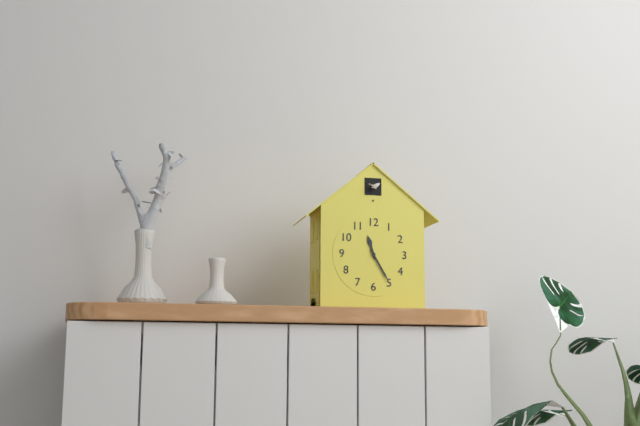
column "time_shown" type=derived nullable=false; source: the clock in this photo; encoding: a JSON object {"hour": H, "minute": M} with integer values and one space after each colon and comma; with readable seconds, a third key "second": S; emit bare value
{"hour": 11, "minute": 25}
